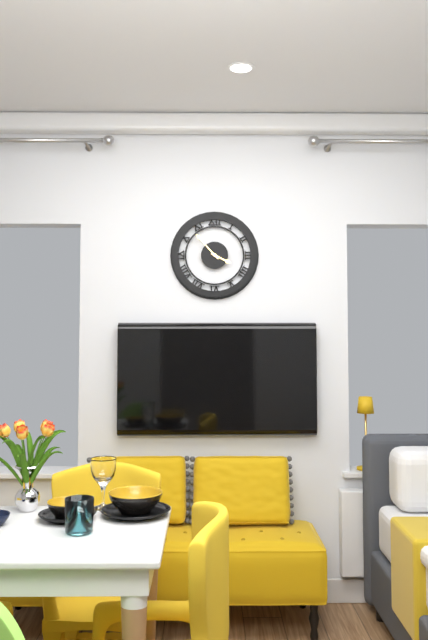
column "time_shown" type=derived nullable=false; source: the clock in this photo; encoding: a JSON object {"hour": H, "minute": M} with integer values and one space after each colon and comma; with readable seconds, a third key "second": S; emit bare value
{"hour": 3, "minute": 53}
